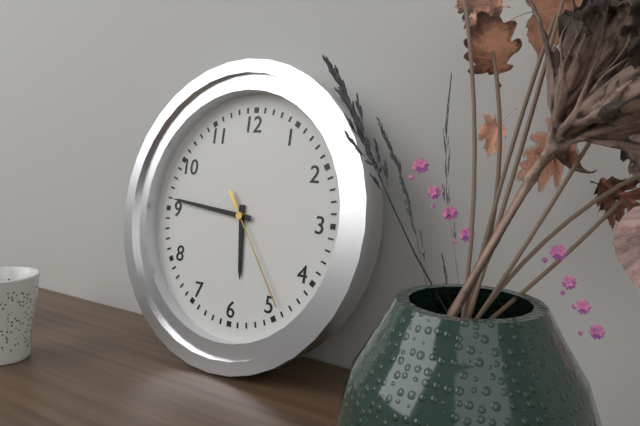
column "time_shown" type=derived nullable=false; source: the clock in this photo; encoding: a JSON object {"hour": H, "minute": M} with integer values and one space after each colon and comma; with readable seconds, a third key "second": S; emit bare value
{"hour": 5, "minute": 46, "second": 24}
